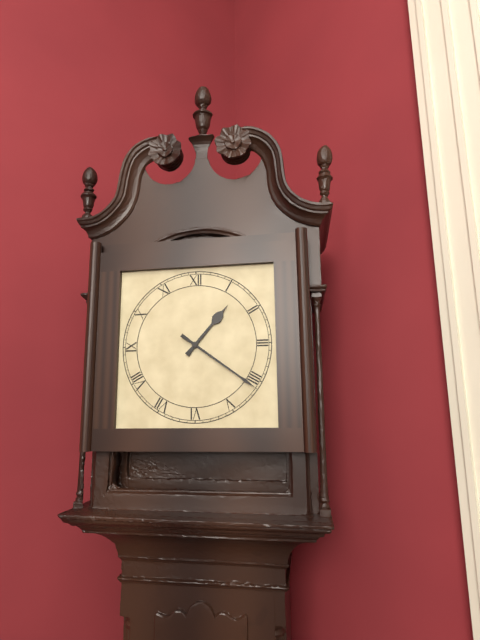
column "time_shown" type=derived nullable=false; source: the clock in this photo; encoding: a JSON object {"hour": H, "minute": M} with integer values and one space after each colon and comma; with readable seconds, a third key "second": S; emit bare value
{"hour": 1, "minute": 21}
